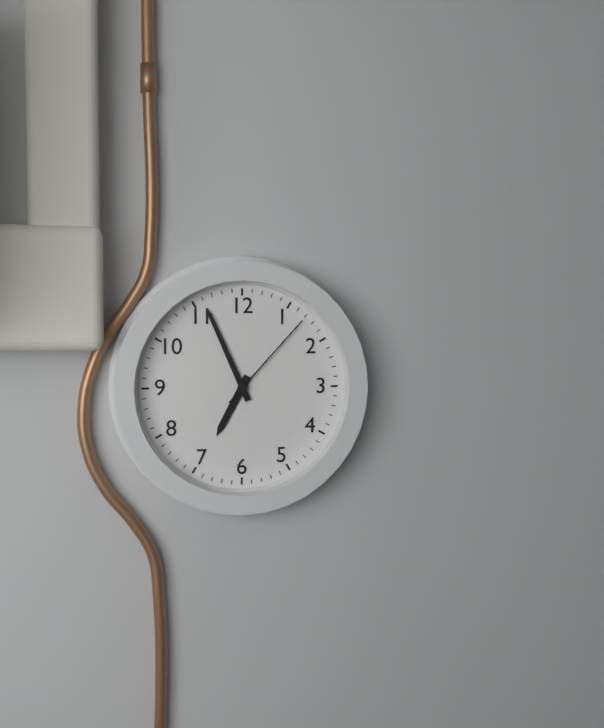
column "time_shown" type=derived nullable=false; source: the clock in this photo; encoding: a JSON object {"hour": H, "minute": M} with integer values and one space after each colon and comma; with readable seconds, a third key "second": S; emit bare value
{"hour": 6, "minute": 56, "second": 7}
